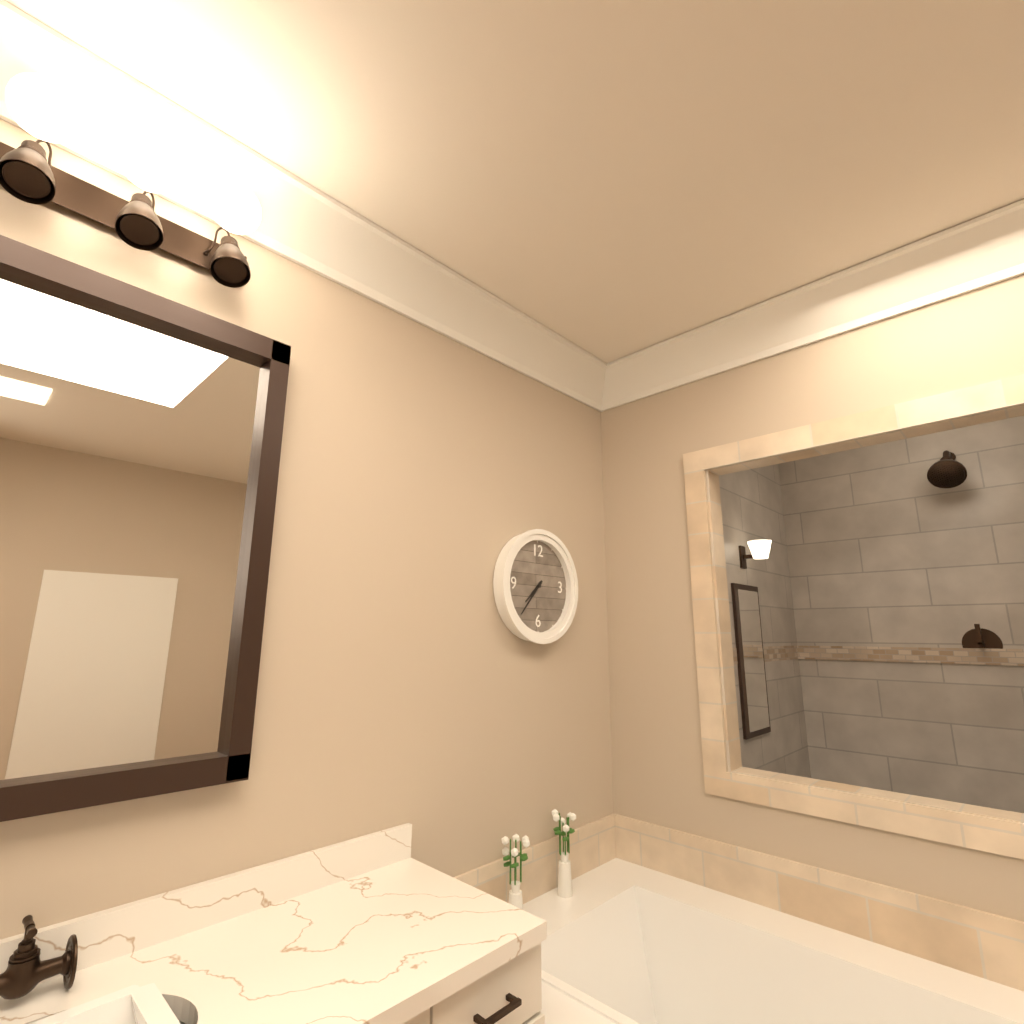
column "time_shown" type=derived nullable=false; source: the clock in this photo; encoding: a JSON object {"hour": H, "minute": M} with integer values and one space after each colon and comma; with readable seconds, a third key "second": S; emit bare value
{"hour": 7, "minute": 37}
